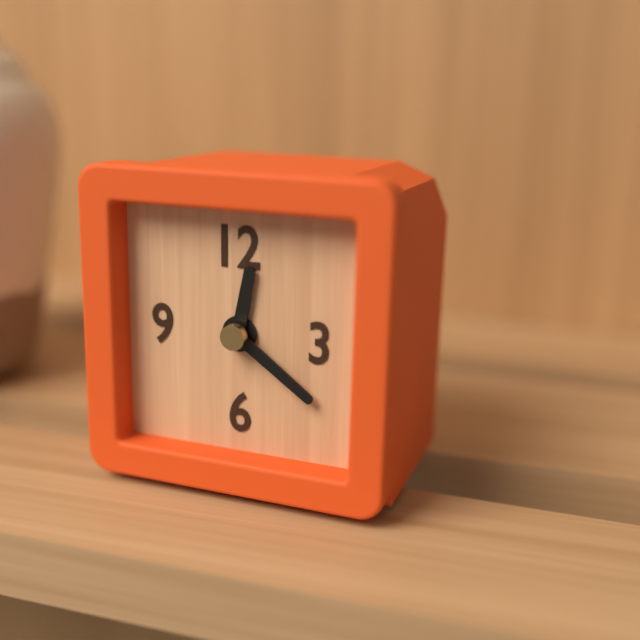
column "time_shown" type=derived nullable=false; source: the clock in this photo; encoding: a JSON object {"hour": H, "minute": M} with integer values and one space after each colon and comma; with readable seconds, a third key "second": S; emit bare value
{"hour": 12, "minute": 21}
